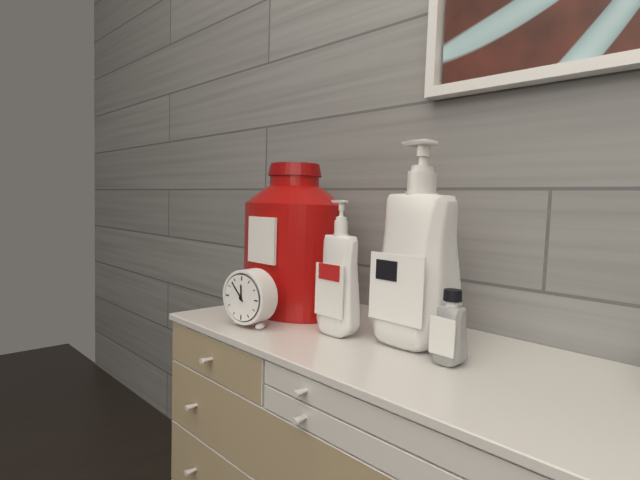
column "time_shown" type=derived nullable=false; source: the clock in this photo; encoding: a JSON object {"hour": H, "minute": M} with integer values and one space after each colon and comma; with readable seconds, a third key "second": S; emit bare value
{"hour": 11, "minute": 53}
